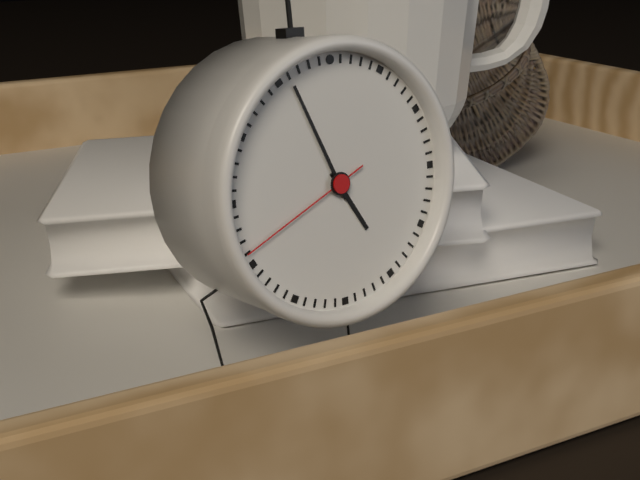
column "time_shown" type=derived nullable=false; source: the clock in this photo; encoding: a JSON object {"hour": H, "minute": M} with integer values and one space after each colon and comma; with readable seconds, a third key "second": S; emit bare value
{"hour": 4, "minute": 56, "second": 41}
